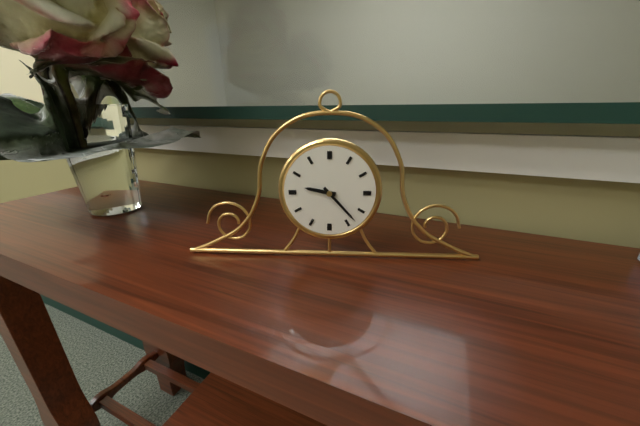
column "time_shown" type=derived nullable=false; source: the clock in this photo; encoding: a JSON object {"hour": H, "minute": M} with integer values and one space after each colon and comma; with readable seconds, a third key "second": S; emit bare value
{"hour": 9, "minute": 23}
